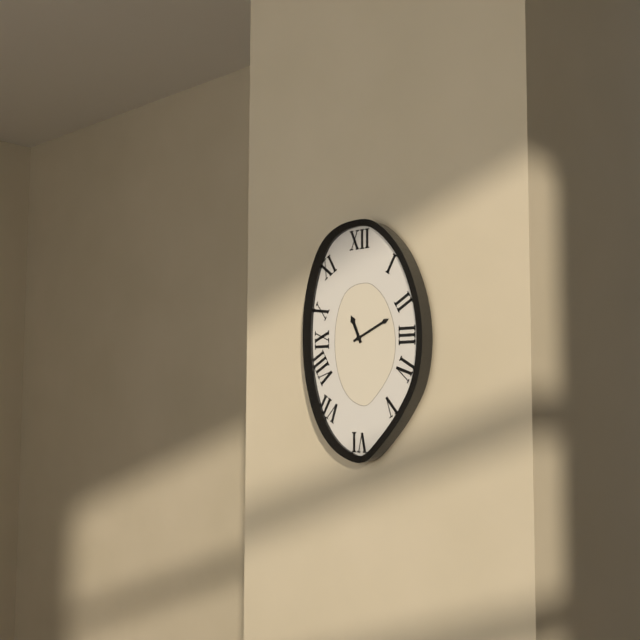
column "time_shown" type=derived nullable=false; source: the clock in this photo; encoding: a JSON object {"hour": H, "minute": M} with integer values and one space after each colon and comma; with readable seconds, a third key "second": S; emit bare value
{"hour": 11, "minute": 11}
